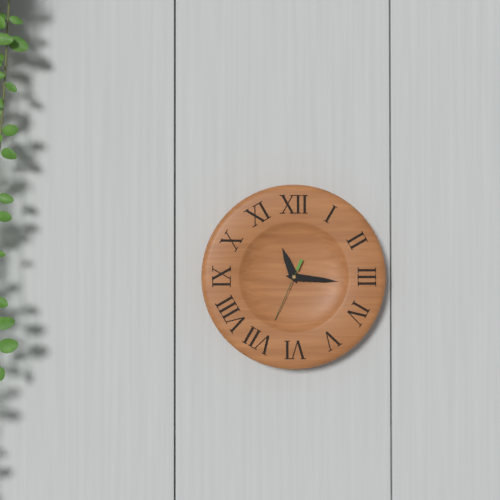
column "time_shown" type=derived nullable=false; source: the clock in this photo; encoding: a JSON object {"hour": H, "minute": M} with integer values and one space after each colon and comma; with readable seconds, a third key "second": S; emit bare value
{"hour": 11, "minute": 16, "second": 34}
